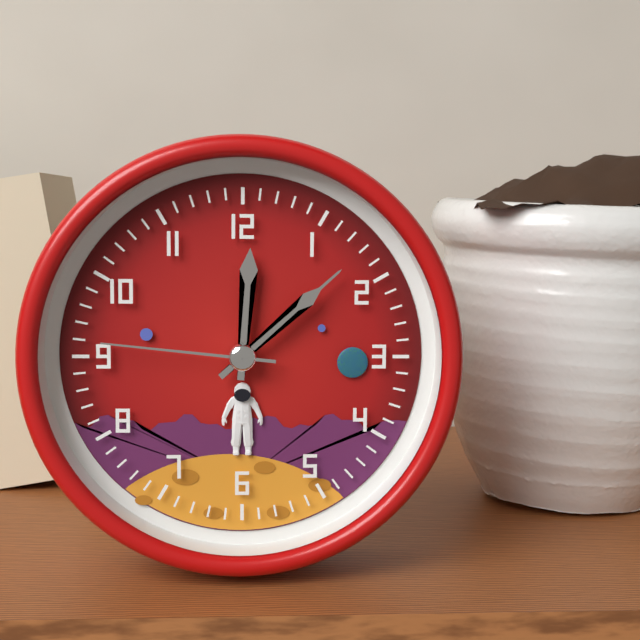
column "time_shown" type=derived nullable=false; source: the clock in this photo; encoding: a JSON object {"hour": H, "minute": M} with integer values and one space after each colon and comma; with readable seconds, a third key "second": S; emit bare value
{"hour": 12, "minute": 8, "second": 46}
